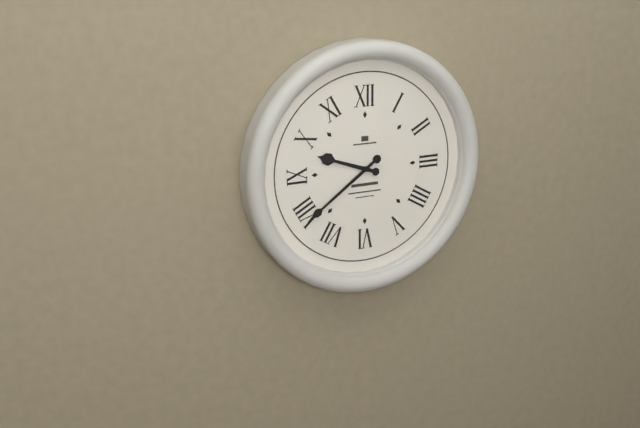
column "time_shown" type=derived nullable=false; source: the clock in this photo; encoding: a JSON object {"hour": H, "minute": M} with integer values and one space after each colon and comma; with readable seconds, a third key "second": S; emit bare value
{"hour": 9, "minute": 39}
